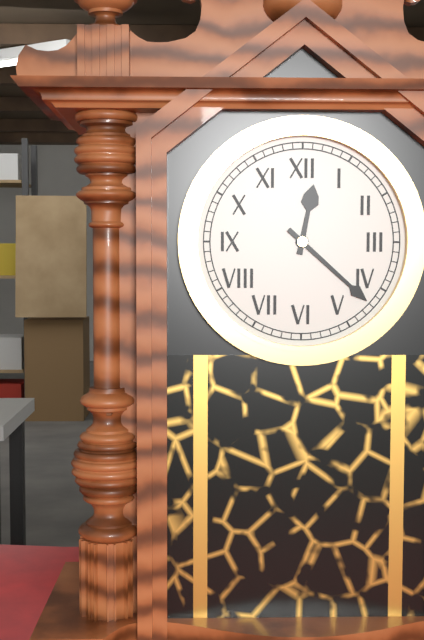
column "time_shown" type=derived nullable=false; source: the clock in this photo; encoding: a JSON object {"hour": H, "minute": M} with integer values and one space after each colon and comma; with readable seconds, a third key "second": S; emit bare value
{"hour": 12, "minute": 22}
